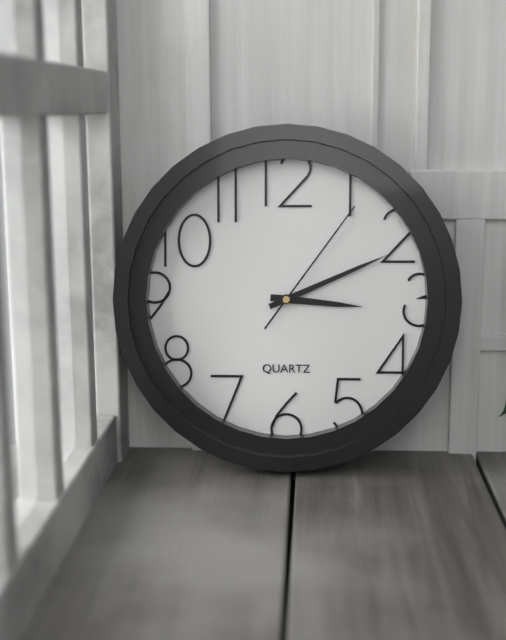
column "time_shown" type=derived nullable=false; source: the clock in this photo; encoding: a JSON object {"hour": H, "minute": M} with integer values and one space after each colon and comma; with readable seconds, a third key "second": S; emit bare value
{"hour": 3, "minute": 11, "second": 6}
